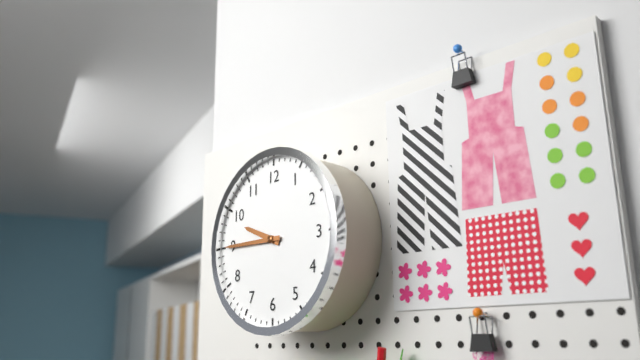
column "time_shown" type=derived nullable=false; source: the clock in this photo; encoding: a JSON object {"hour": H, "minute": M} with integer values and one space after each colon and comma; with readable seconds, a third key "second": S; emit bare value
{"hour": 9, "minute": 45}
